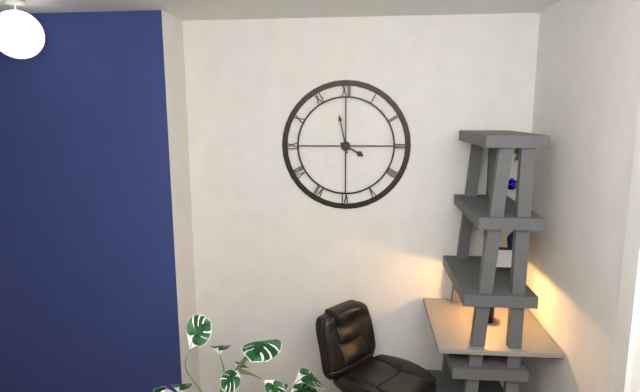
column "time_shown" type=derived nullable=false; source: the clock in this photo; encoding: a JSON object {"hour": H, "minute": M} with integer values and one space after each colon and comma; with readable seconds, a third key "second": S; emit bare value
{"hour": 3, "minute": 58}
